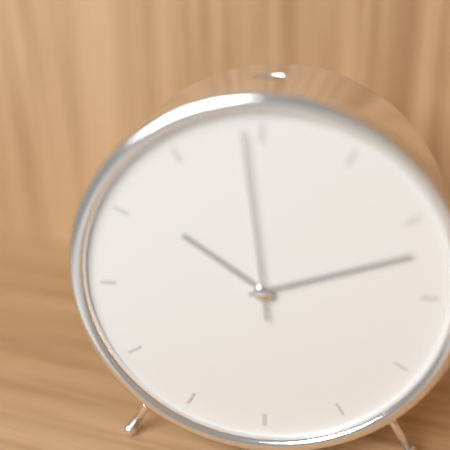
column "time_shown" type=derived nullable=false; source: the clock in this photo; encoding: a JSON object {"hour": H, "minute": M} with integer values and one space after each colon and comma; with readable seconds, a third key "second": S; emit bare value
{"hour": 10, "minute": 12, "second": 59}
